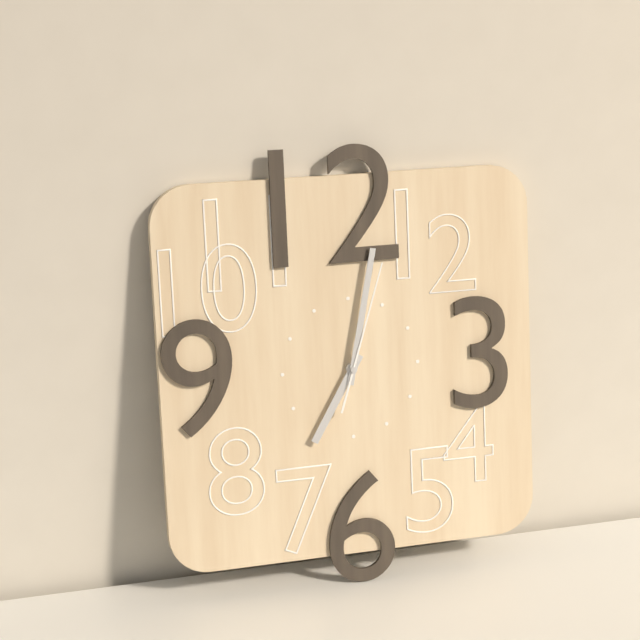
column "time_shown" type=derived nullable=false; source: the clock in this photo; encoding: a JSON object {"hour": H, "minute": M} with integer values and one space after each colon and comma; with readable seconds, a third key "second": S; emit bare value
{"hour": 7, "minute": 2, "second": 3}
